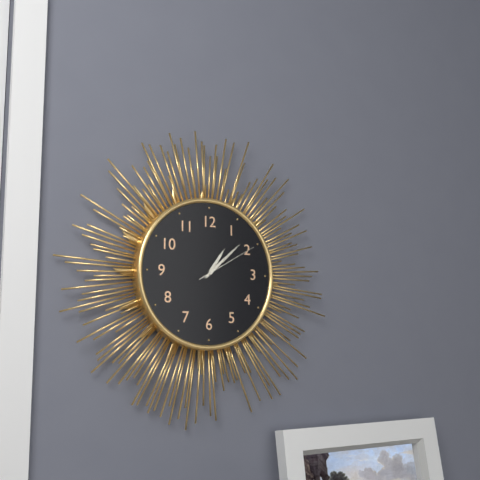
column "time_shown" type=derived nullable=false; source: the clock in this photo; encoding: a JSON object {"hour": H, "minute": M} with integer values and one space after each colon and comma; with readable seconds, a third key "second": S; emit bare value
{"hour": 1, "minute": 8, "second": 10}
